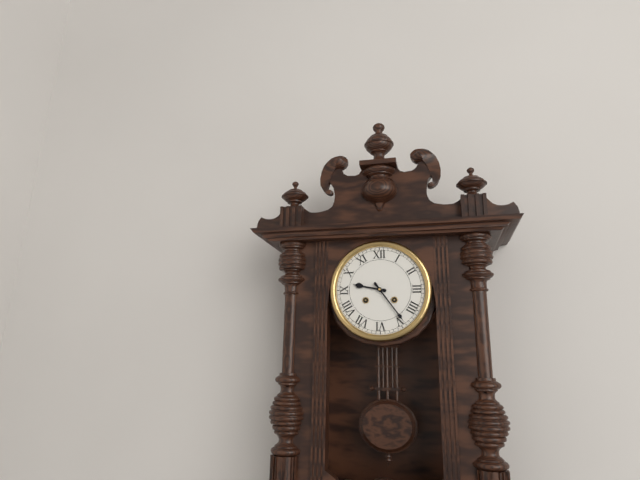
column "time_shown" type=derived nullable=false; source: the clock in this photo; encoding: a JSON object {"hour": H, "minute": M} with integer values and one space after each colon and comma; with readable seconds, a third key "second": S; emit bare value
{"hour": 9, "minute": 24}
